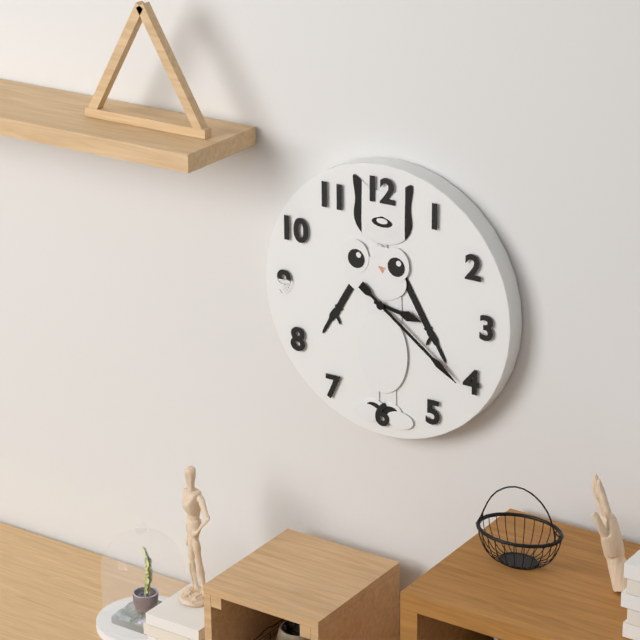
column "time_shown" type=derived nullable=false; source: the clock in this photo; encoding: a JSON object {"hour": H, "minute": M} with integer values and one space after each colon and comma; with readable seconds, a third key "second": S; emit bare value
{"hour": 3, "minute": 21}
